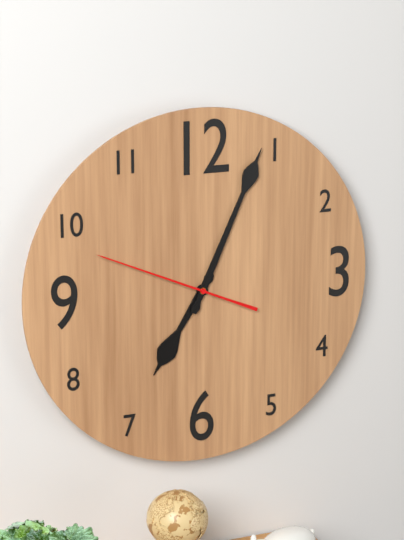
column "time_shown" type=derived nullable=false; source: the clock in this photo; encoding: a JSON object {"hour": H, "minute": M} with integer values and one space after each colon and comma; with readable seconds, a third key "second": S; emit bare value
{"hour": 7, "minute": 4, "second": 49}
